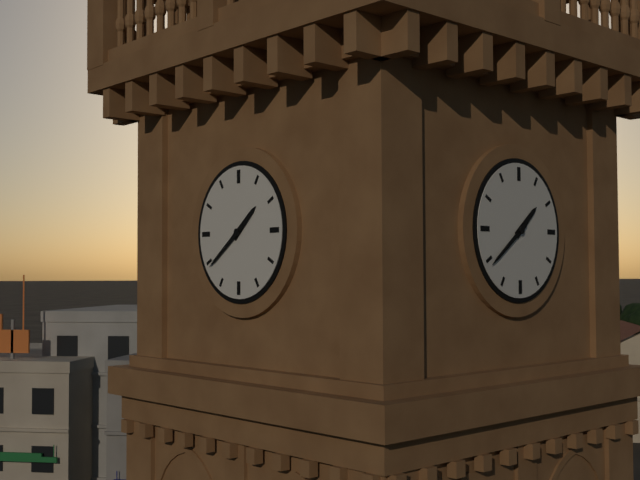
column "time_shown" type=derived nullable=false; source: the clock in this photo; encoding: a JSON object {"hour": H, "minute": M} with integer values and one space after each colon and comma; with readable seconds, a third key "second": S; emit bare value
{"hour": 1, "minute": 39}
